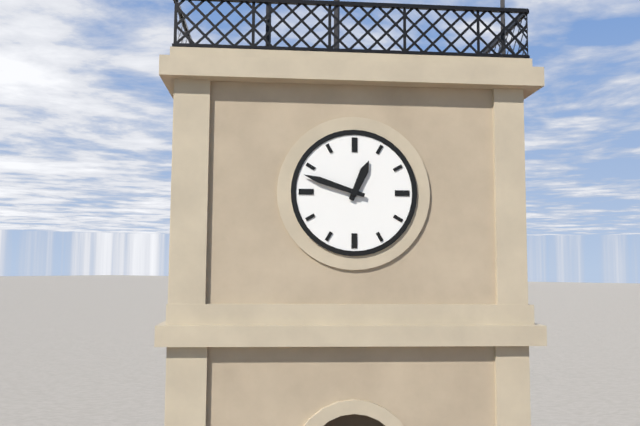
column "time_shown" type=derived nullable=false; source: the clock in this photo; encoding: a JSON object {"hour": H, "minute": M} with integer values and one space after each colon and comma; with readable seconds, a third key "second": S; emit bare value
{"hour": 12, "minute": 48}
